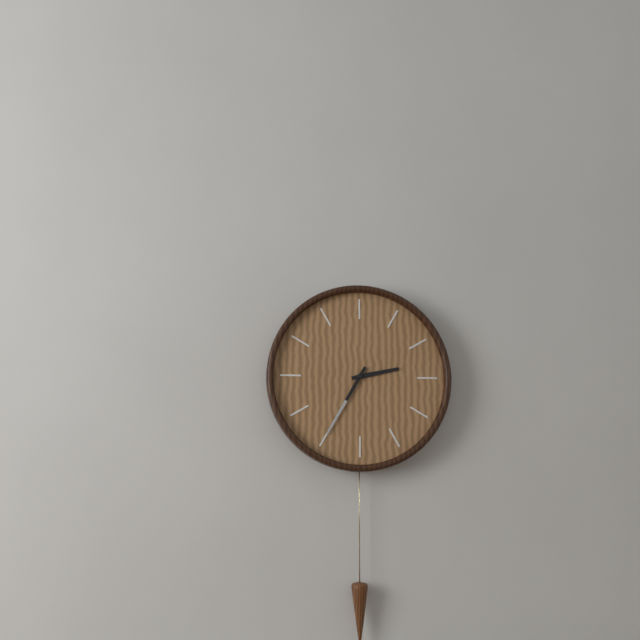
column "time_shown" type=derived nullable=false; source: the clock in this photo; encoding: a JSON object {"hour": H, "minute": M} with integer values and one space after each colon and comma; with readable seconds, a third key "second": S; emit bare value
{"hour": 2, "minute": 35}
